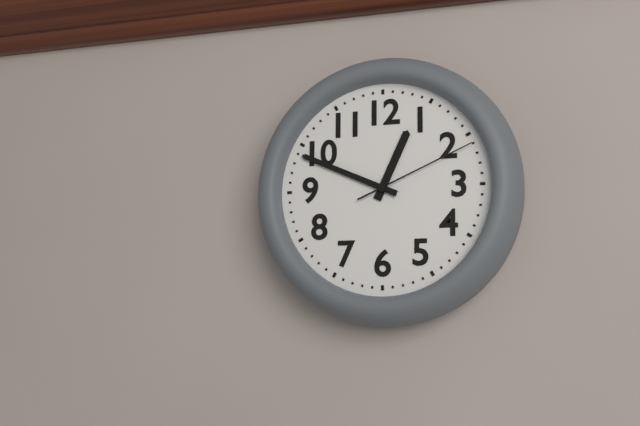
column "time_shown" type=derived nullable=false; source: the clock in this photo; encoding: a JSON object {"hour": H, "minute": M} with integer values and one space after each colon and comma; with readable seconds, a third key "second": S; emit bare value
{"hour": 12, "minute": 49, "second": 11}
